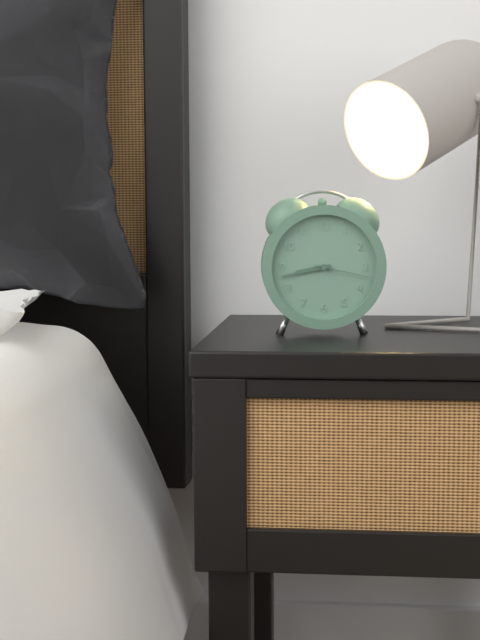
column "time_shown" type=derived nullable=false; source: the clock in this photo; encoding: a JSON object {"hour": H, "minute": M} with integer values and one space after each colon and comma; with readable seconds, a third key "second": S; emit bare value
{"hour": 8, "minute": 43, "second": 17}
